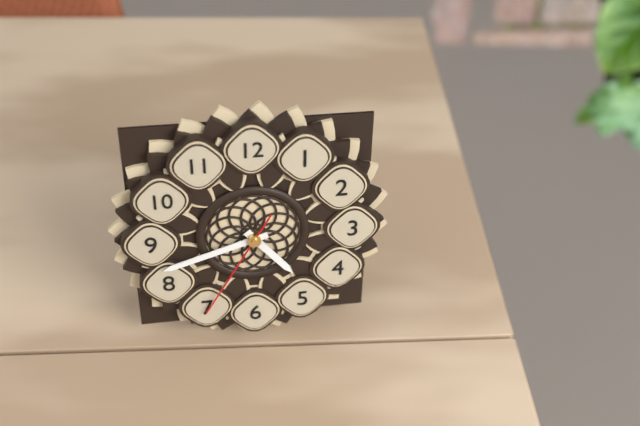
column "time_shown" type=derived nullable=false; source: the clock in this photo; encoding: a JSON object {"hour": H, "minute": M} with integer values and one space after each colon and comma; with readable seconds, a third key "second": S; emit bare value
{"hour": 4, "minute": 42, "second": 35}
